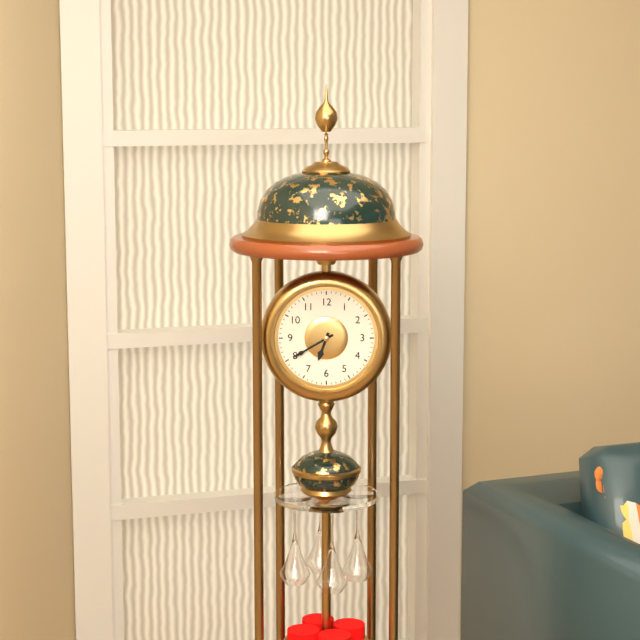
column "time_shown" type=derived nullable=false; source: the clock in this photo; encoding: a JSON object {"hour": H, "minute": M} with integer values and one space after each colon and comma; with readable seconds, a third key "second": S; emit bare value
{"hour": 6, "minute": 40}
